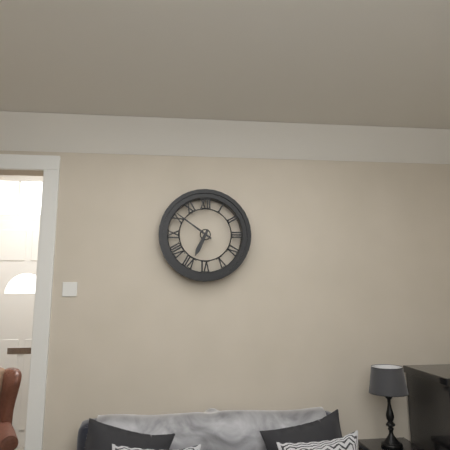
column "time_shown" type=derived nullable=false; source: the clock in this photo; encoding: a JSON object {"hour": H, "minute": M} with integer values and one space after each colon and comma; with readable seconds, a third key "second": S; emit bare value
{"hour": 6, "minute": 51}
